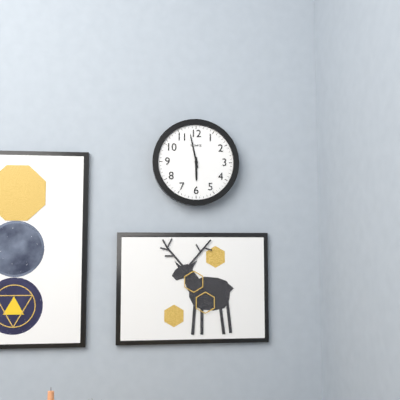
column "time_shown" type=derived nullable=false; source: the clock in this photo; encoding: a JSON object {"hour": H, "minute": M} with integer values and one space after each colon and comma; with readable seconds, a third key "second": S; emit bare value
{"hour": 5, "minute": 58}
